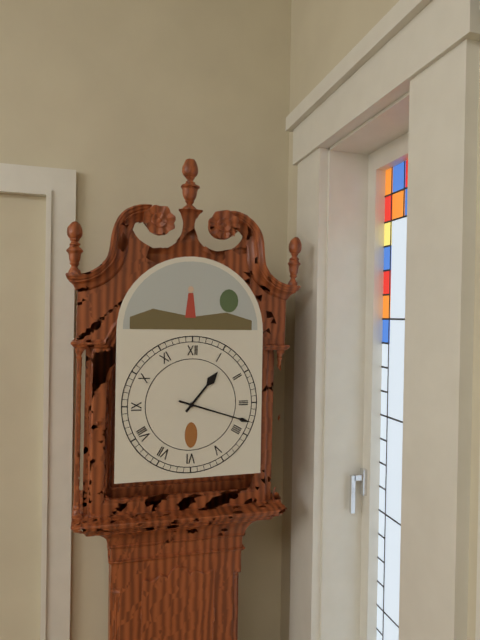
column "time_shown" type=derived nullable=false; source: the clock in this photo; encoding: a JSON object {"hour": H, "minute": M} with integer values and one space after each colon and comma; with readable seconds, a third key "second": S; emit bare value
{"hour": 1, "minute": 18}
